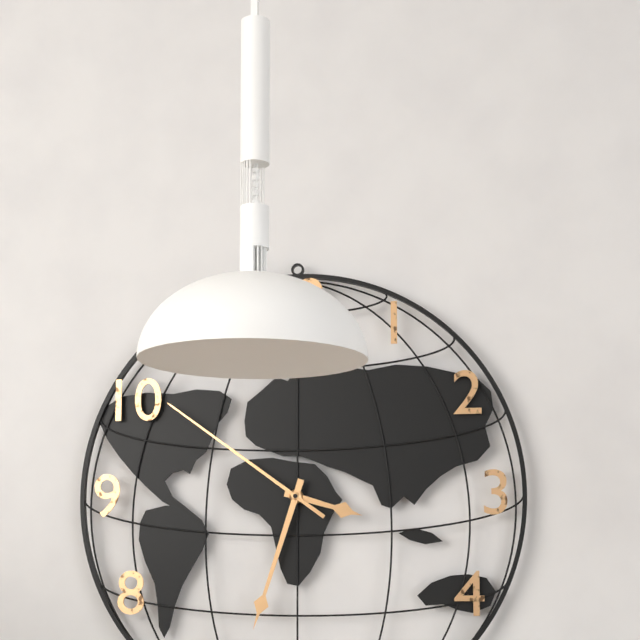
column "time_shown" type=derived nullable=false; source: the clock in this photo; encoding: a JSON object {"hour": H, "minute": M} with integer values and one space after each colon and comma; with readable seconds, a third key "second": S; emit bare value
{"hour": 3, "minute": 33, "second": 51}
